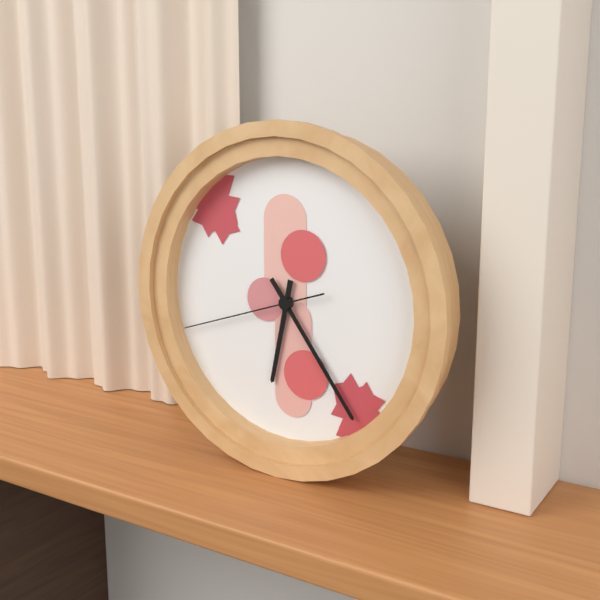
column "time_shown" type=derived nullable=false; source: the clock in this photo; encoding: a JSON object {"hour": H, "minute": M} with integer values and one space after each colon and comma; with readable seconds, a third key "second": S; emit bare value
{"hour": 6, "minute": 24, "second": 42}
